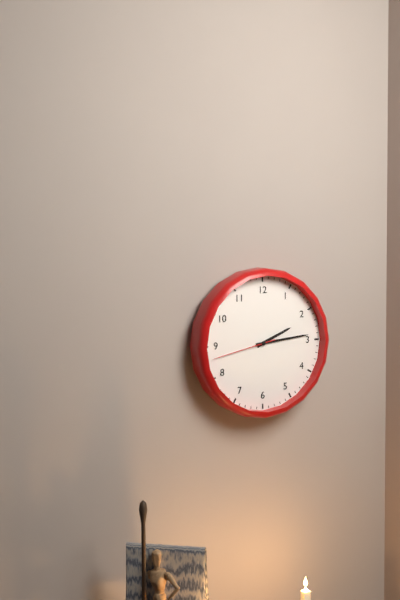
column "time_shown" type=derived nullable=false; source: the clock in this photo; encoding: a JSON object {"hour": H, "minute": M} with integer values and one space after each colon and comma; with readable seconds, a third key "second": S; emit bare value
{"hour": 2, "minute": 14, "second": 43}
